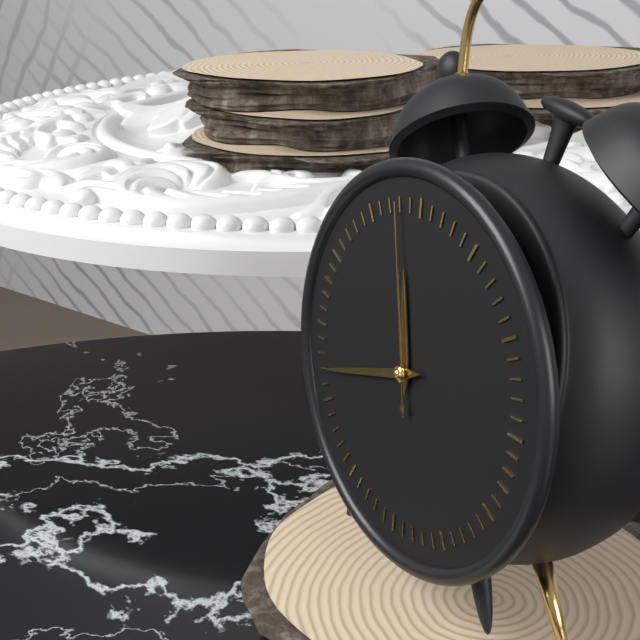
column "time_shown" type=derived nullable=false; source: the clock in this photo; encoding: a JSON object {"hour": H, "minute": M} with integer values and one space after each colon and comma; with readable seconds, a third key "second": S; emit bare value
{"hour": 11, "minute": 42, "second": 58}
